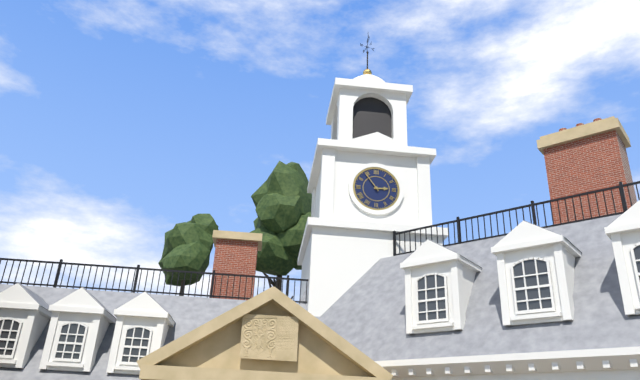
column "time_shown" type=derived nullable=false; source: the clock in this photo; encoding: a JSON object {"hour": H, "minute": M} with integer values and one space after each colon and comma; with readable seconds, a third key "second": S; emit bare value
{"hour": 2, "minute": 54}
